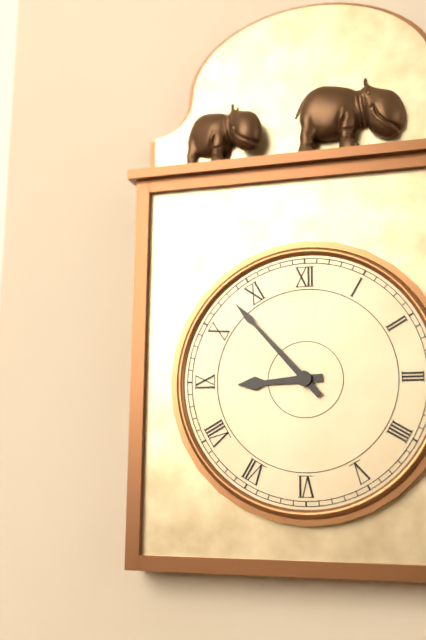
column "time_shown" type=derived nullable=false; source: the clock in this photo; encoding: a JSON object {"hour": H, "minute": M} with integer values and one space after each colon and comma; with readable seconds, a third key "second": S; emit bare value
{"hour": 8, "minute": 53}
